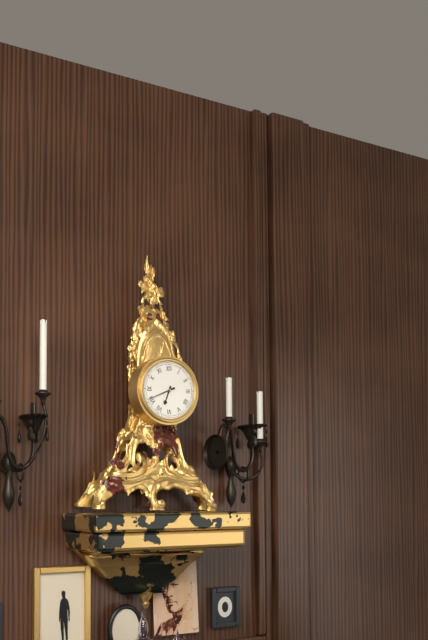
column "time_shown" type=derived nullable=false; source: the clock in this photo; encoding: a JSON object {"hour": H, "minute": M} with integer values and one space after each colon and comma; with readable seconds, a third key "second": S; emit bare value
{"hour": 6, "minute": 41}
